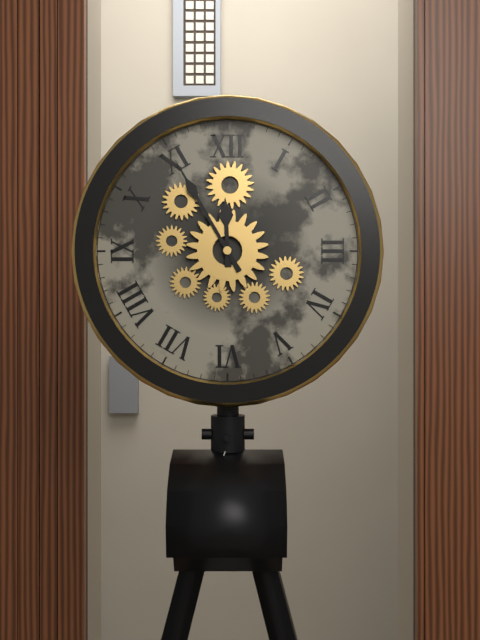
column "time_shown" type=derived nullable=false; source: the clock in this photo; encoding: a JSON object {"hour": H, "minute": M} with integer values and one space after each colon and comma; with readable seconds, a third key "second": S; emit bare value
{"hour": 11, "minute": 55}
